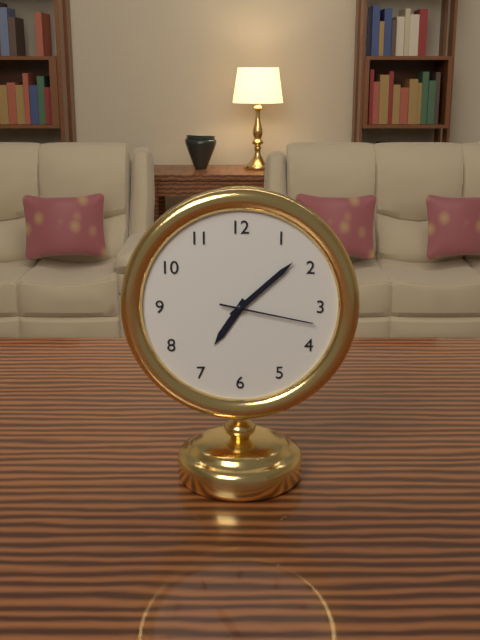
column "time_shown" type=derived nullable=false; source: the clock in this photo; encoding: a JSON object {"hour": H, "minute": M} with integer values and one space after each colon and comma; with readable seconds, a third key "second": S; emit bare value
{"hour": 7, "minute": 8, "second": 17}
